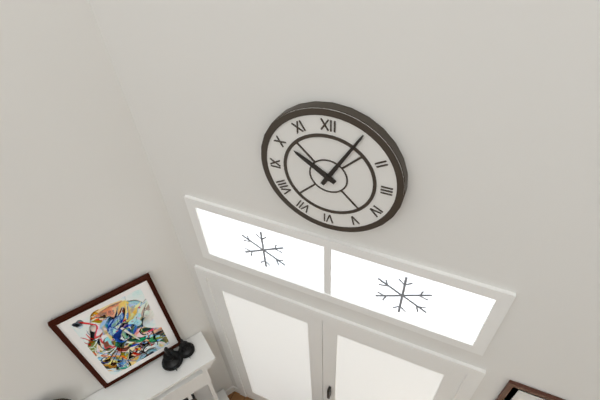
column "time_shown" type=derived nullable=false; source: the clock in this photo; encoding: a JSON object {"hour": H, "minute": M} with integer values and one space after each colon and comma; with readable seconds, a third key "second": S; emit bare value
{"hour": 10, "minute": 5}
